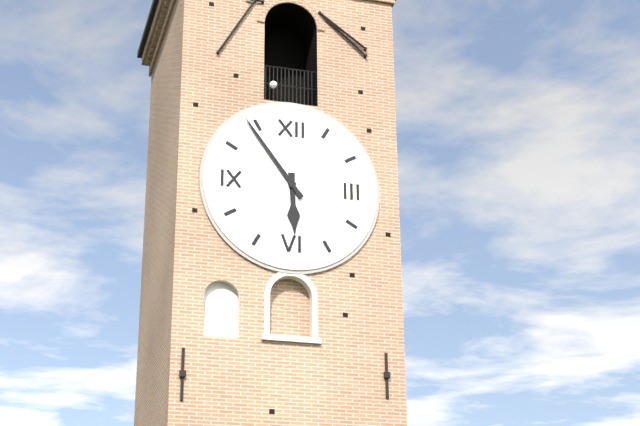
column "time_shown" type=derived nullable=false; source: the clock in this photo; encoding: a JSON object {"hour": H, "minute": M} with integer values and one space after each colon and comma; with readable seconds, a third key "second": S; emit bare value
{"hour": 5, "minute": 54}
